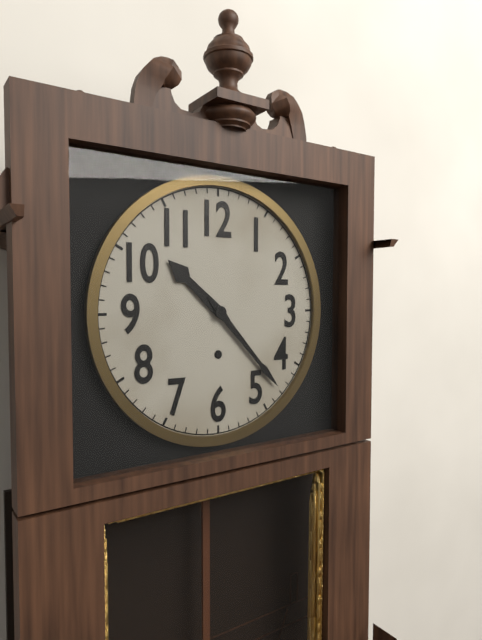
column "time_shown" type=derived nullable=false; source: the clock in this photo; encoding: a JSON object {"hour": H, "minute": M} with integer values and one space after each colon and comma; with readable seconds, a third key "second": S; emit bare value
{"hour": 10, "minute": 23}
